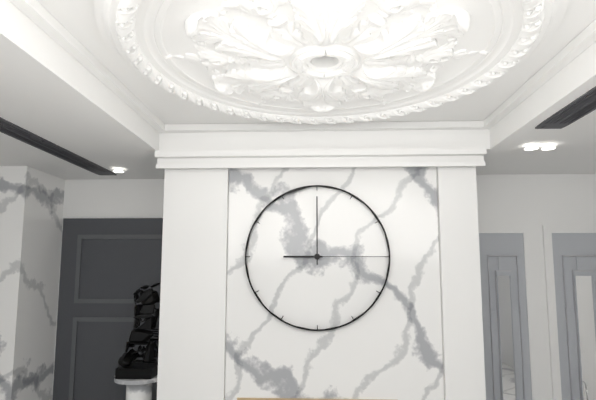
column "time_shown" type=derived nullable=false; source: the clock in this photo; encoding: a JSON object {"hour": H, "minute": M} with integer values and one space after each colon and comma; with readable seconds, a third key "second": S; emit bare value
{"hour": 9, "minute": 0, "second": 15}
